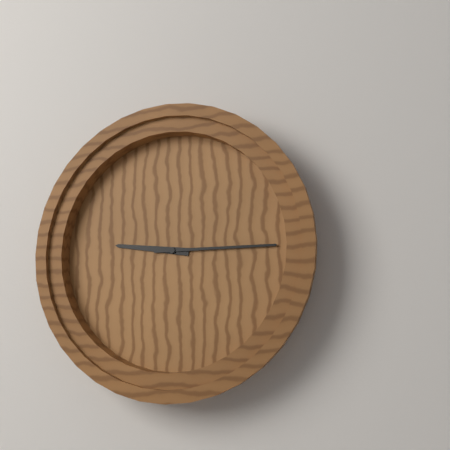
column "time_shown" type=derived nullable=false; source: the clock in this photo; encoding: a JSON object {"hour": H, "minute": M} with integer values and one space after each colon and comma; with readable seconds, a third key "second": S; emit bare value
{"hour": 9, "minute": 15}
